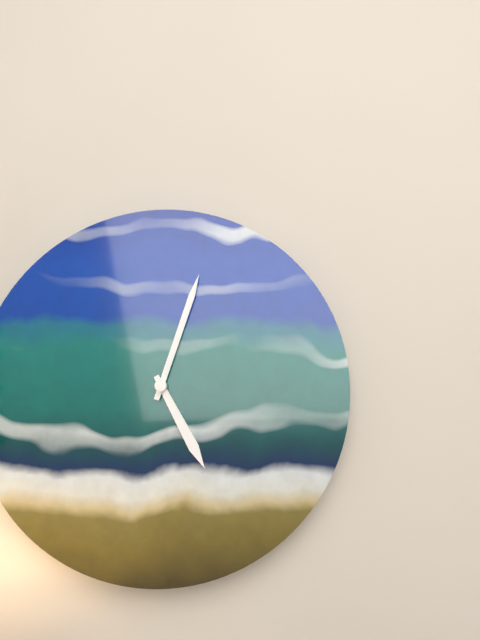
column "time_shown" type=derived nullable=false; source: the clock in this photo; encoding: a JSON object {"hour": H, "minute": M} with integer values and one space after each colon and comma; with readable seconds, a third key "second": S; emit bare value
{"hour": 5, "minute": 3}
